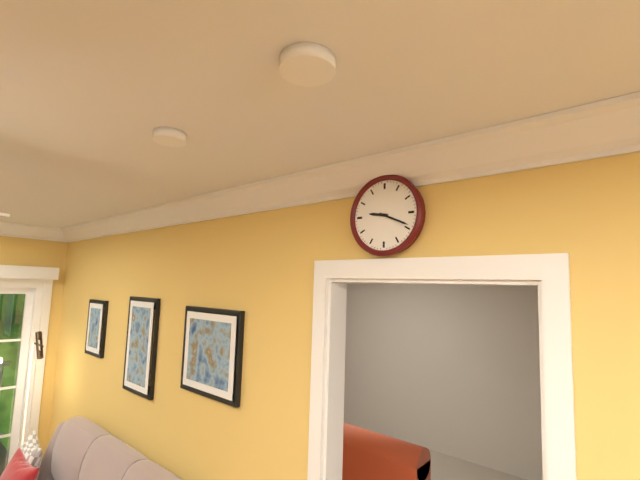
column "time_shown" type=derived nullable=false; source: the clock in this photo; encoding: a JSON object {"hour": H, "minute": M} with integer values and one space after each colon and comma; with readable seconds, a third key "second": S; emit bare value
{"hour": 9, "minute": 19}
